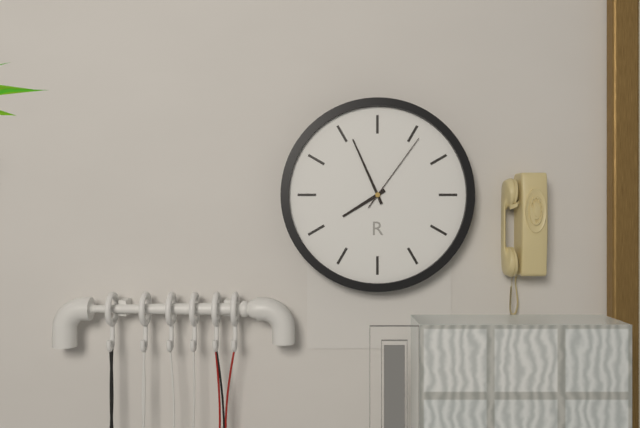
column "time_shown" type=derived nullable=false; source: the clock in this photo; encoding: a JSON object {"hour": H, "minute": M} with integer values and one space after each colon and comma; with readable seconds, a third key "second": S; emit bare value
{"hour": 7, "minute": 56, "second": 6}
